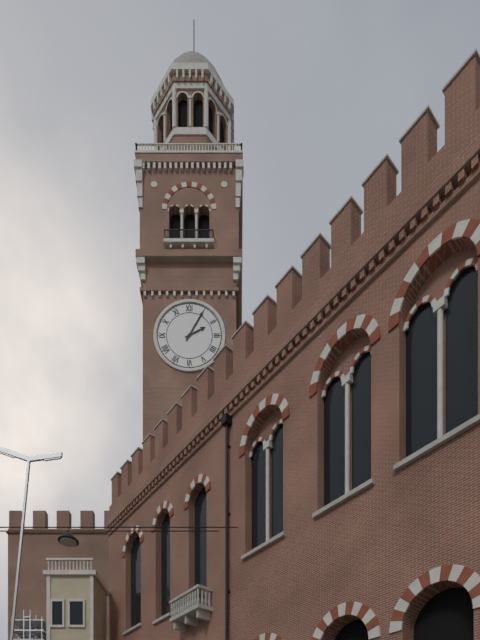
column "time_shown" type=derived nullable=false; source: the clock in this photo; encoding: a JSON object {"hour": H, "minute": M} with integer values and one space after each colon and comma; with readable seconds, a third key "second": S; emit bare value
{"hour": 2, "minute": 5}
